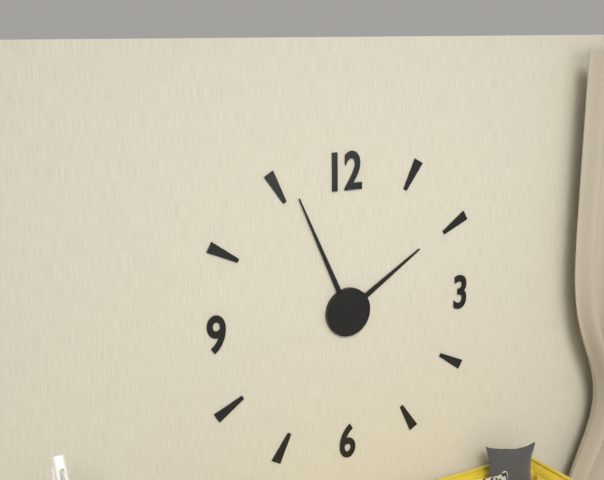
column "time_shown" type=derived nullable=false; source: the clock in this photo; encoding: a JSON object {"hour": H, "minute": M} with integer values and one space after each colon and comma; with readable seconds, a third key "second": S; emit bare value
{"hour": 1, "minute": 56}
